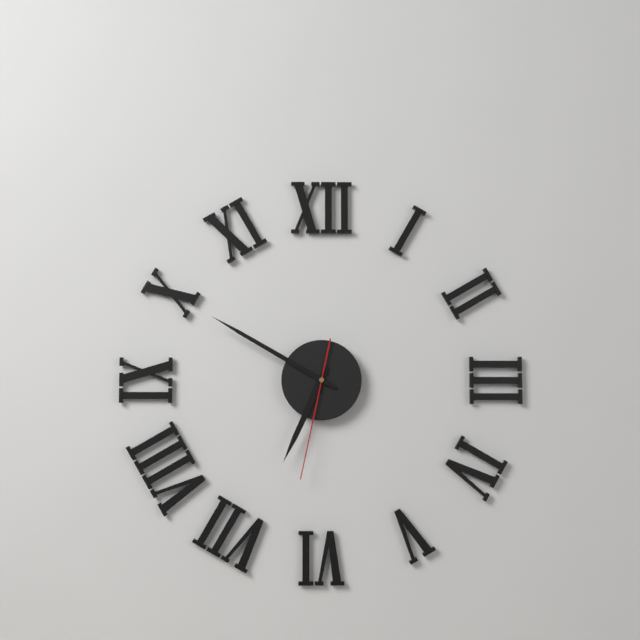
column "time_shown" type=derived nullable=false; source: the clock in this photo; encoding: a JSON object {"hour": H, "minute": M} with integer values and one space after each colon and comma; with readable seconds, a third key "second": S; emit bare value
{"hour": 6, "minute": 50, "second": 32}
